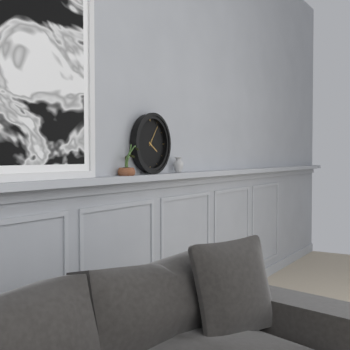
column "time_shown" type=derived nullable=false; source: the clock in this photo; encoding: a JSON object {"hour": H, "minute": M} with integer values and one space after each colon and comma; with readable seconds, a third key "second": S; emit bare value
{"hour": 4, "minute": 6}
